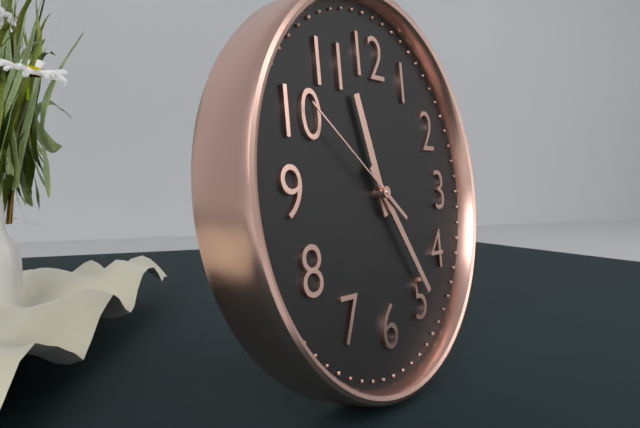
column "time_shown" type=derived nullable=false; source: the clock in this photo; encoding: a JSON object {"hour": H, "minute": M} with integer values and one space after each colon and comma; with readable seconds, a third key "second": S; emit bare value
{"hour": 11, "minute": 24, "second": 51}
